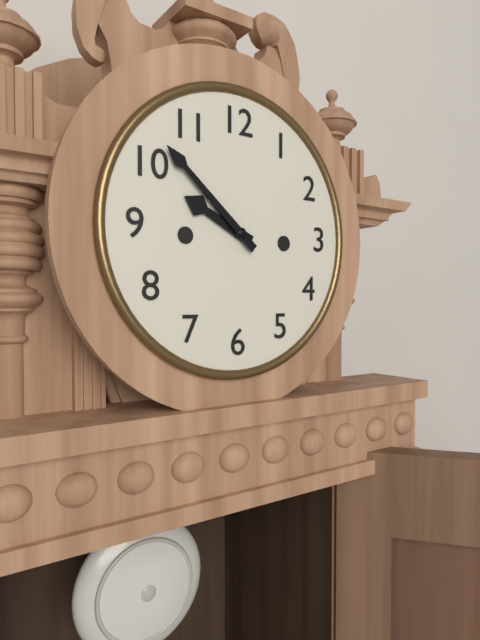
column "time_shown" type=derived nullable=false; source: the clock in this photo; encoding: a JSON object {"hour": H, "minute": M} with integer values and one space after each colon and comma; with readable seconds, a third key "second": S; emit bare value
{"hour": 9, "minute": 52}
